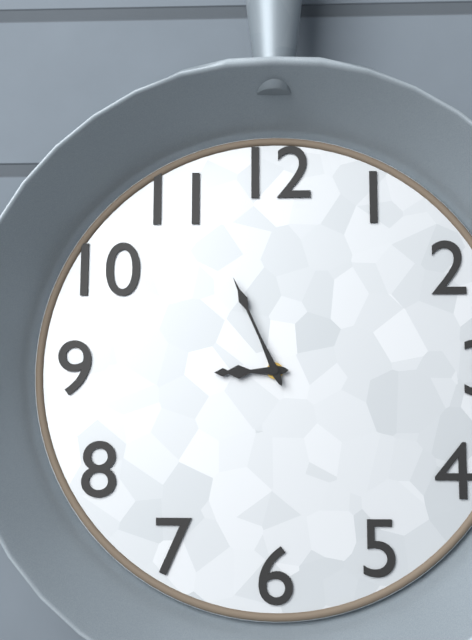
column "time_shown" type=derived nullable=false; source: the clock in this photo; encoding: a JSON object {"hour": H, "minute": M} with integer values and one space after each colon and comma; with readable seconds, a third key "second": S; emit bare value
{"hour": 8, "minute": 56}
